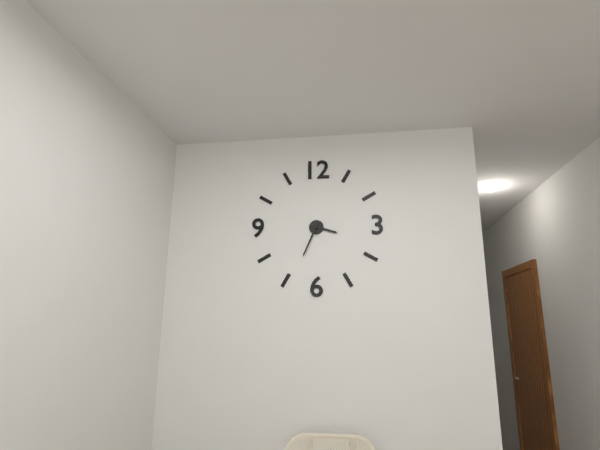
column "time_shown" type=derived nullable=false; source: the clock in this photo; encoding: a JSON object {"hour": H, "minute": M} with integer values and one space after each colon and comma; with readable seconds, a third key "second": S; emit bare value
{"hour": 3, "minute": 34}
